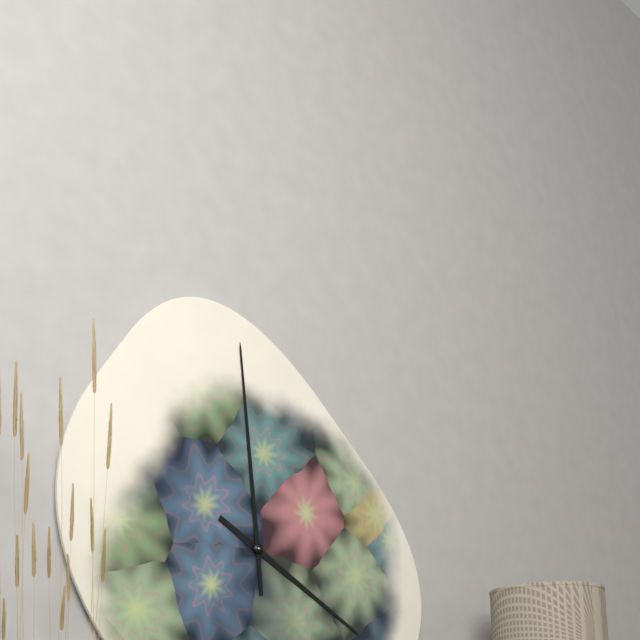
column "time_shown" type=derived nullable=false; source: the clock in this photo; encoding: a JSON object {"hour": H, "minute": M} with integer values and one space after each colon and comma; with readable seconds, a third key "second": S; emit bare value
{"hour": 3, "minute": 59}
